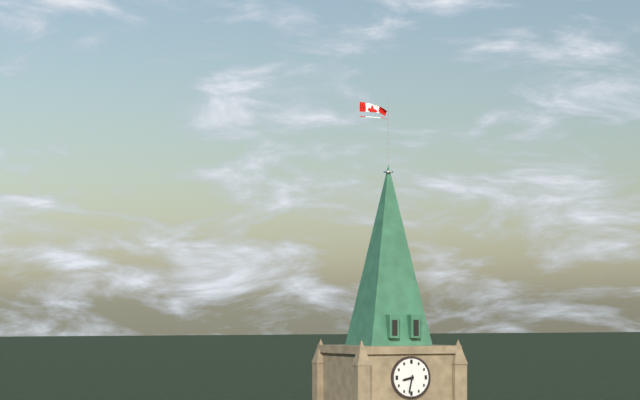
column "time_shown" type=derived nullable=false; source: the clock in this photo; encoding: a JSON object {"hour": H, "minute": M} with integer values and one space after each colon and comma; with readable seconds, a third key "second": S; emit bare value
{"hour": 8, "minute": 32}
